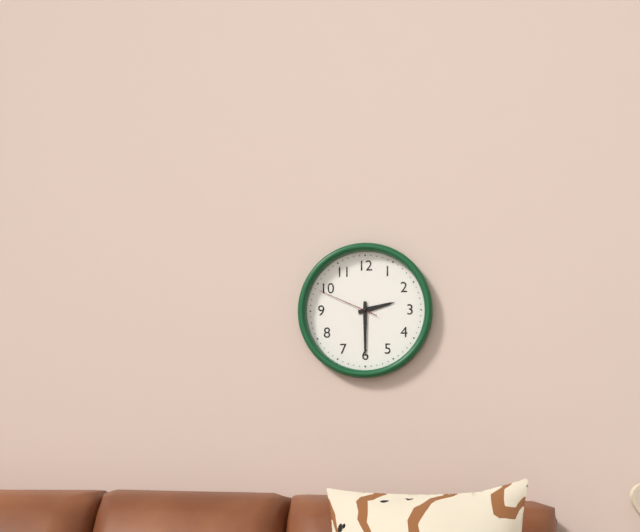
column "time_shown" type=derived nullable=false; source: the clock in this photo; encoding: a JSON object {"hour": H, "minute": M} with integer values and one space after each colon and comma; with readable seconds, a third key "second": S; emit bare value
{"hour": 2, "minute": 30, "second": 49}
